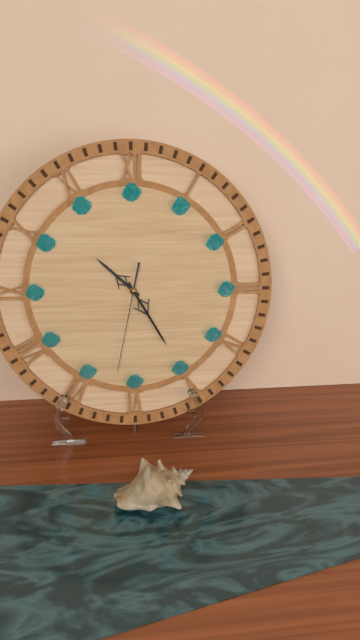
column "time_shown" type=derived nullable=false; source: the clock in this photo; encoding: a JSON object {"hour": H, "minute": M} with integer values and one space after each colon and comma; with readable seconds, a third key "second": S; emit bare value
{"hour": 10, "minute": 25, "second": 32}
